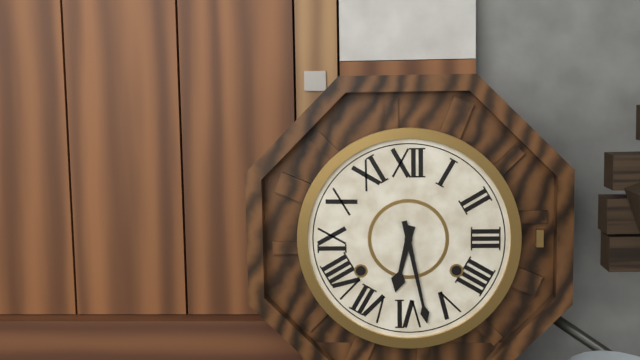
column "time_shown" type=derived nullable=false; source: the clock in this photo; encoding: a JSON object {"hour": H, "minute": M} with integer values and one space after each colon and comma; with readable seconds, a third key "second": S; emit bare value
{"hour": 6, "minute": 28}
